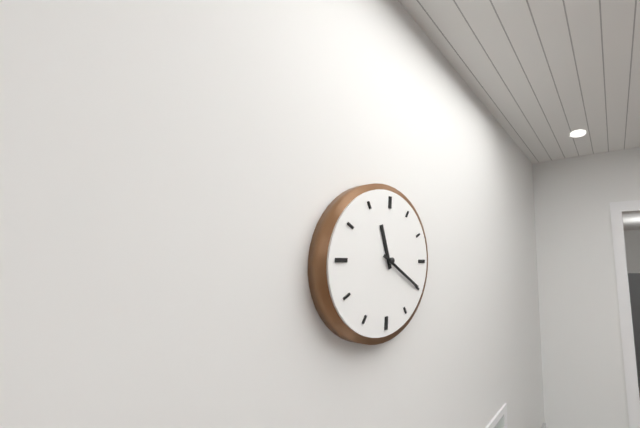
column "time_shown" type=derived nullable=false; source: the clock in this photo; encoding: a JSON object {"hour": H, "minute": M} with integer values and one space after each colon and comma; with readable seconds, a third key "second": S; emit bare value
{"hour": 11, "minute": 20}
